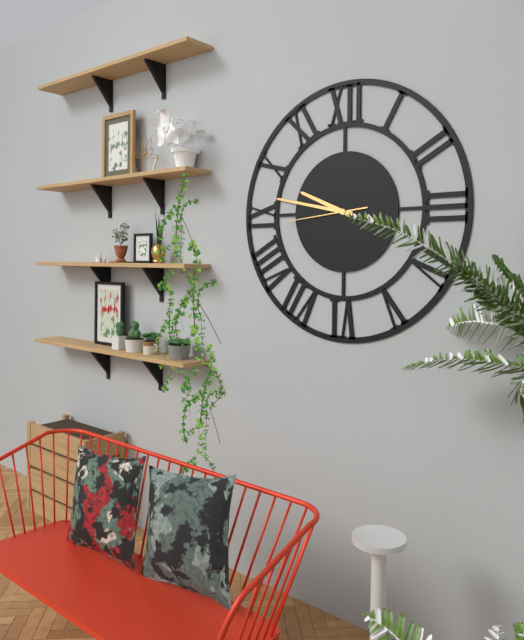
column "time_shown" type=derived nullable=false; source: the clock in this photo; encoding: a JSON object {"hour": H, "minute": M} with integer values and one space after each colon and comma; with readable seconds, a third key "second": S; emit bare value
{"hour": 9, "minute": 47, "second": 44}
